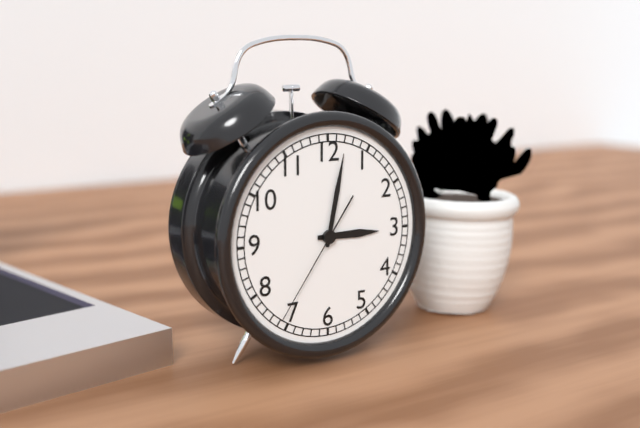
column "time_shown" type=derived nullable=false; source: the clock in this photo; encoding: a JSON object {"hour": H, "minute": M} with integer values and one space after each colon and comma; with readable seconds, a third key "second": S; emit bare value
{"hour": 3, "minute": 2, "second": 36}
